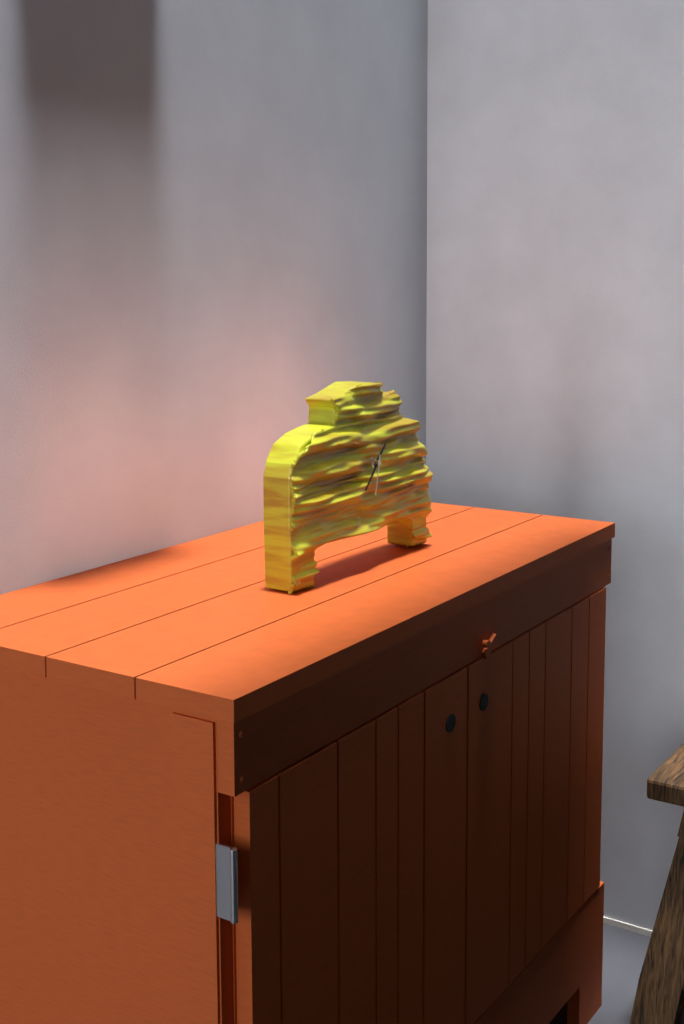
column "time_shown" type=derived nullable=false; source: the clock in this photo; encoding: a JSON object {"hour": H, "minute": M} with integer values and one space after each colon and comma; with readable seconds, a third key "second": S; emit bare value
{"hour": 1, "minute": 37}
